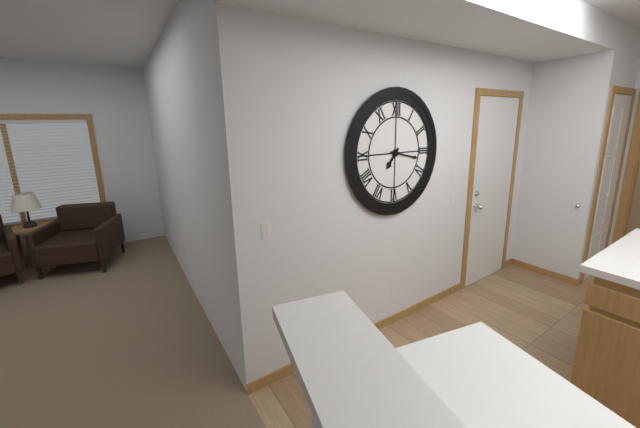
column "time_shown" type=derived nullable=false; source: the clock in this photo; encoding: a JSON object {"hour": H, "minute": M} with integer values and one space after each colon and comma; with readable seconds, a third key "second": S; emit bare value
{"hour": 7, "minute": 17}
